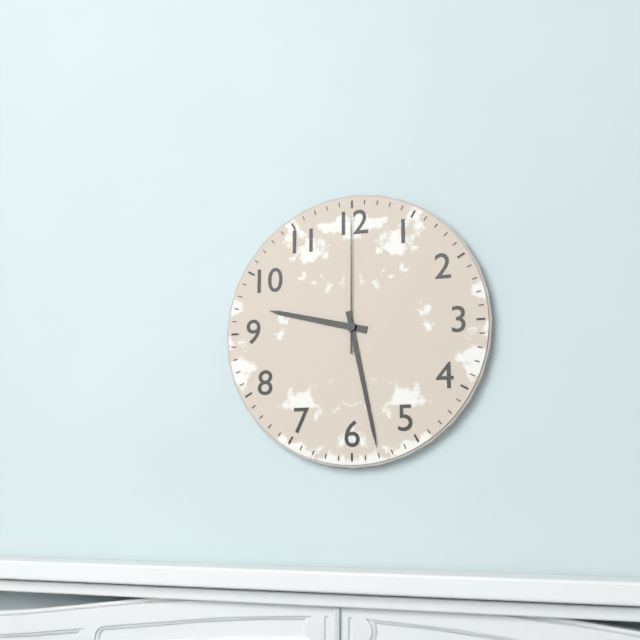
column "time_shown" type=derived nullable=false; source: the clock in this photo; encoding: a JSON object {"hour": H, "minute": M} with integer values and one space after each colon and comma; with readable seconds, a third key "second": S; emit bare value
{"hour": 9, "minute": 28, "second": 0}
